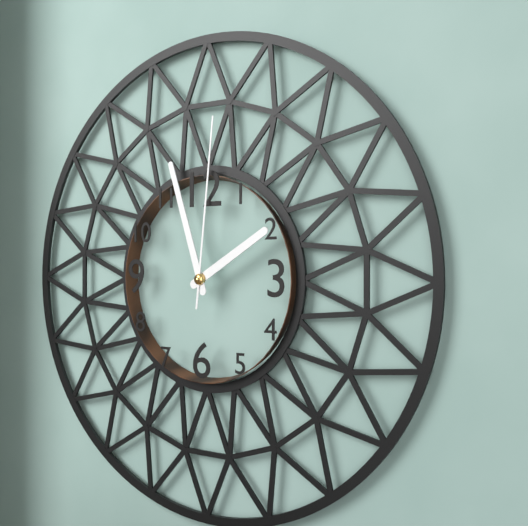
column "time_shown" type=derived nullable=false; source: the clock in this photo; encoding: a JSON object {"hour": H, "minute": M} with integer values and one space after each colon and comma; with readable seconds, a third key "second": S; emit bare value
{"hour": 1, "minute": 57, "second": 1}
